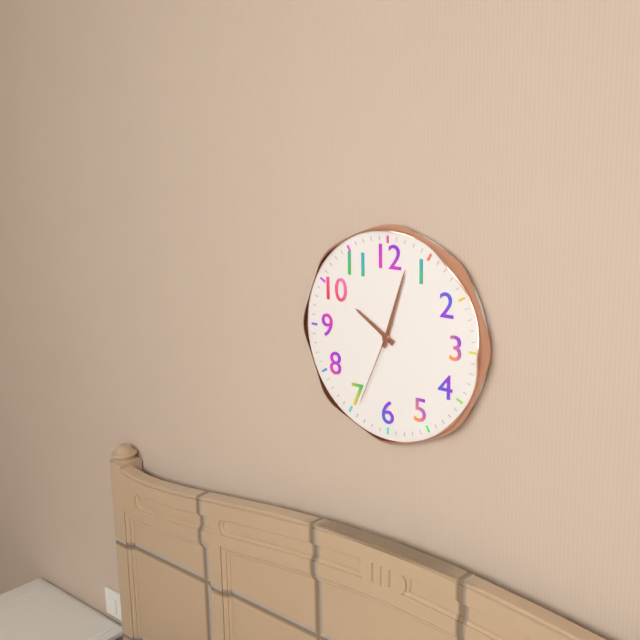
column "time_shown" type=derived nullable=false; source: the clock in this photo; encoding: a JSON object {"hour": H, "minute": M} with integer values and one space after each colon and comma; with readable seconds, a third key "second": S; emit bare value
{"hour": 10, "minute": 3, "second": 34}
